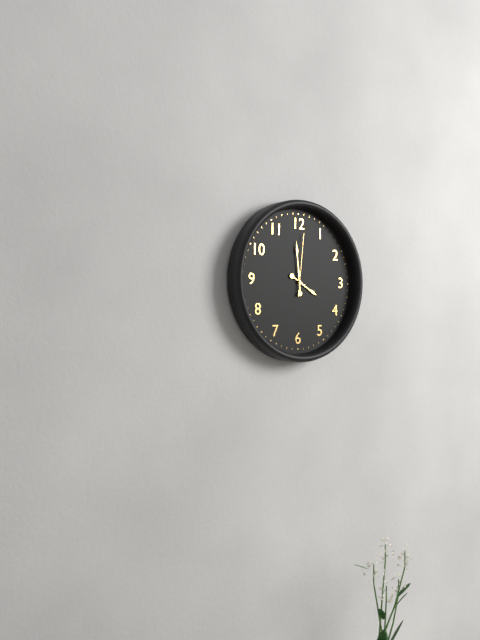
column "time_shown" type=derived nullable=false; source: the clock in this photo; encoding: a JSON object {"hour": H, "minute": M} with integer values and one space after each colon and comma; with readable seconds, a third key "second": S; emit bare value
{"hour": 3, "minute": 59, "second": 1}
